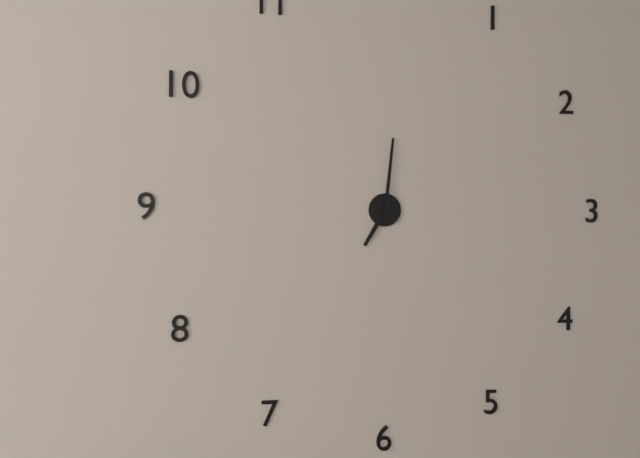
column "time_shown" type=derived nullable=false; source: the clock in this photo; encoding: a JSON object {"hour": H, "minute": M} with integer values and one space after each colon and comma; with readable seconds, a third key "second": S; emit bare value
{"hour": 7, "minute": 1}
